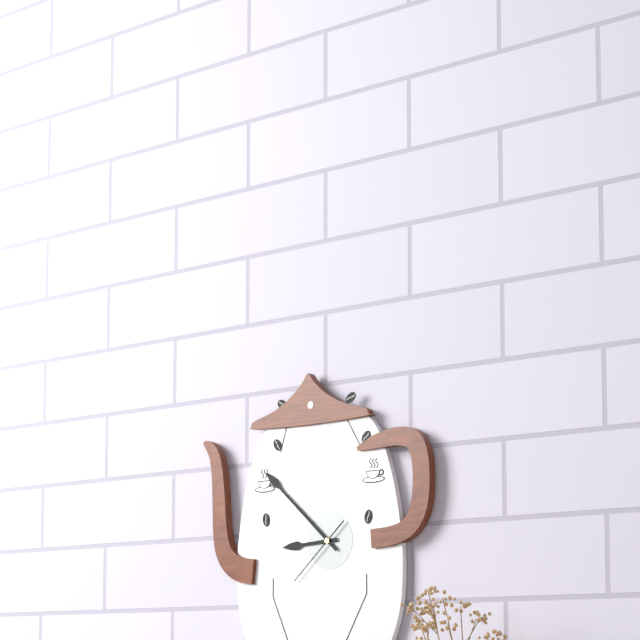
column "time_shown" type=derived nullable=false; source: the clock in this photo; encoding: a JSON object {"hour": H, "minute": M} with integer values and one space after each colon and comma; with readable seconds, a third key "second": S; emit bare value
{"hour": 8, "minute": 52, "second": 38}
